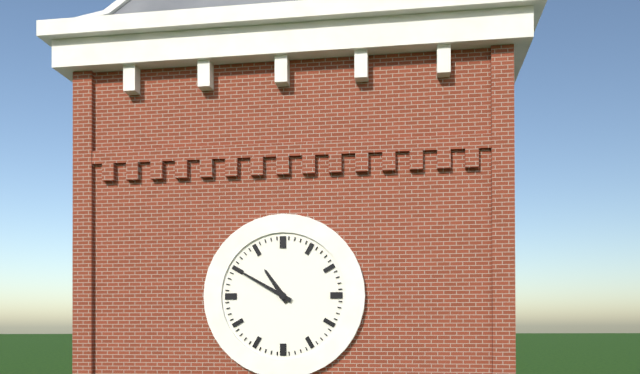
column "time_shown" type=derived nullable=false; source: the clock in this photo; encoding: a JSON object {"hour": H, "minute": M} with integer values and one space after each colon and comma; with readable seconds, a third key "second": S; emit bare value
{"hour": 10, "minute": 50}
